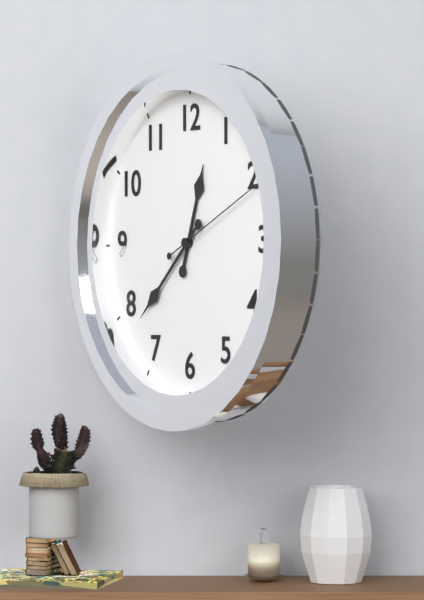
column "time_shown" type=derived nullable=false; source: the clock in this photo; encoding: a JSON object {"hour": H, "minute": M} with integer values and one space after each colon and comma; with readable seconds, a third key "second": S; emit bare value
{"hour": 12, "minute": 38, "second": 11}
